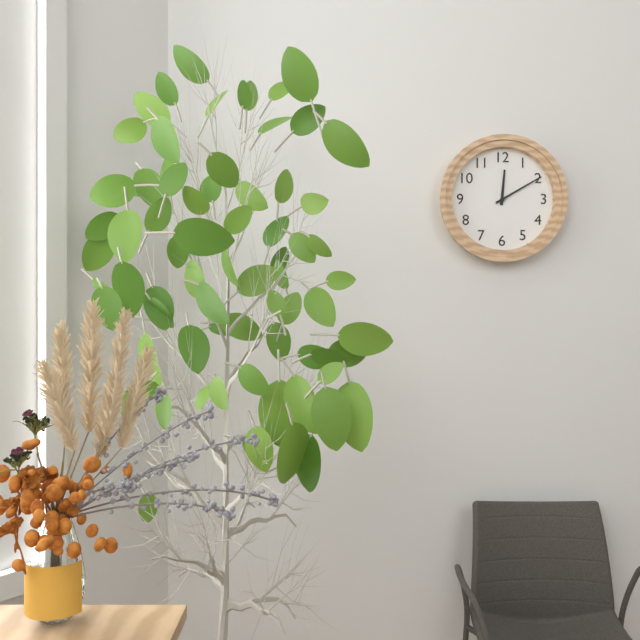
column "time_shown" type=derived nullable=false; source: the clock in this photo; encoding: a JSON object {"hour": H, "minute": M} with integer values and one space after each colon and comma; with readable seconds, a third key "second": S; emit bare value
{"hour": 12, "minute": 10}
